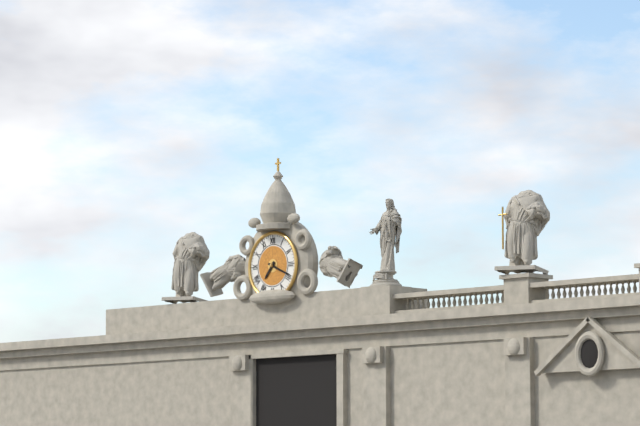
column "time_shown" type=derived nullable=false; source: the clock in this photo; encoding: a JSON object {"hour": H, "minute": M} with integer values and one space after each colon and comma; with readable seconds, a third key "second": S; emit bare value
{"hour": 7, "minute": 19}
